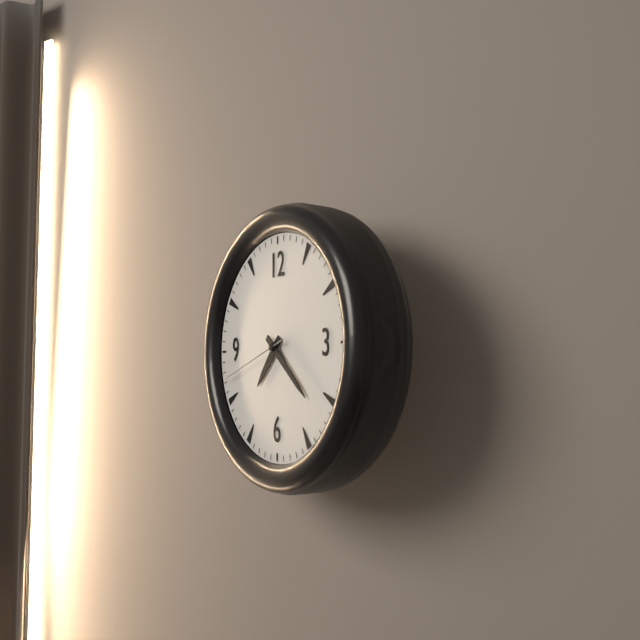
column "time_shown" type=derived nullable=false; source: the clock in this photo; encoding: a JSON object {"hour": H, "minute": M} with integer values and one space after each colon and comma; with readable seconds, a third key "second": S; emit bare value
{"hour": 7, "minute": 22, "second": 42}
